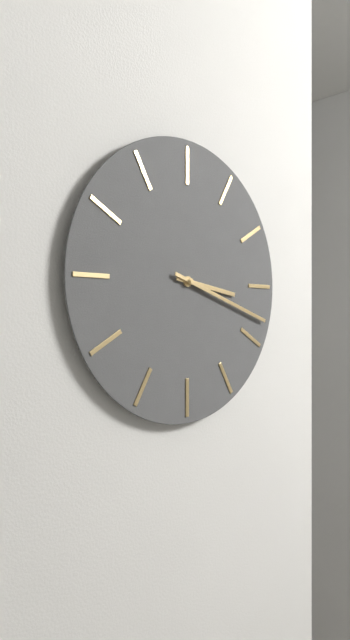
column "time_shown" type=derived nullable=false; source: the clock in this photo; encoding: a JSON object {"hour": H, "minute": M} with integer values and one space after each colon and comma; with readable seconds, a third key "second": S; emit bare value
{"hour": 3, "minute": 18}
